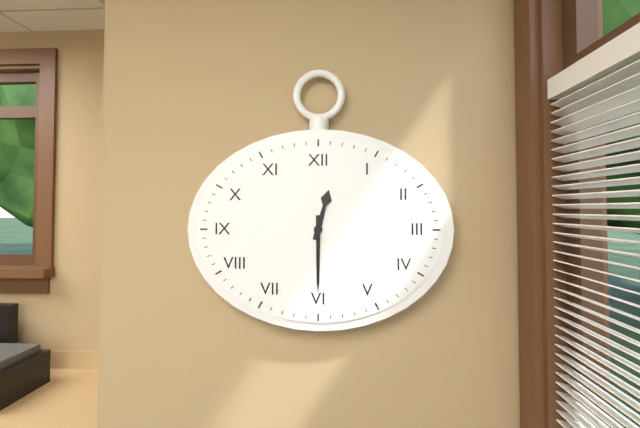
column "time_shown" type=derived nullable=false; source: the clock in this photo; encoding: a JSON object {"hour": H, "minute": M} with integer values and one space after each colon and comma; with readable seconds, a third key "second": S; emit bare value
{"hour": 12, "minute": 30}
